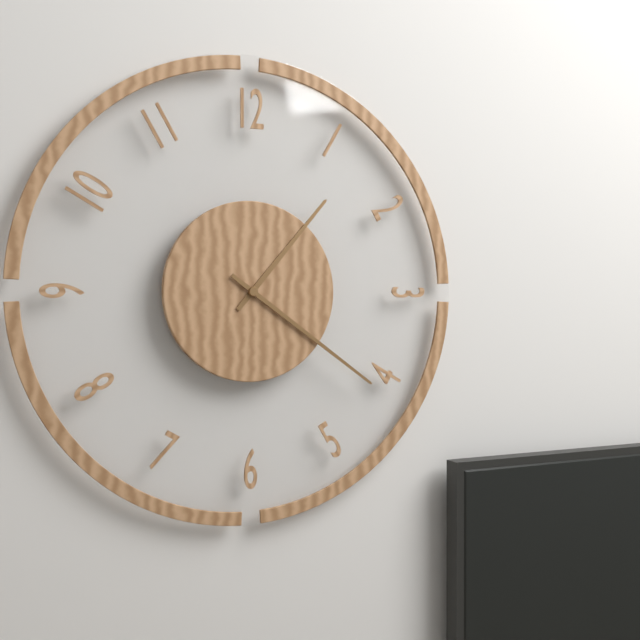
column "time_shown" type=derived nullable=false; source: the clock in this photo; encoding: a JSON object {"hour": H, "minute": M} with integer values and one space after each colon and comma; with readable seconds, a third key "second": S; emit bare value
{"hour": 1, "minute": 21}
